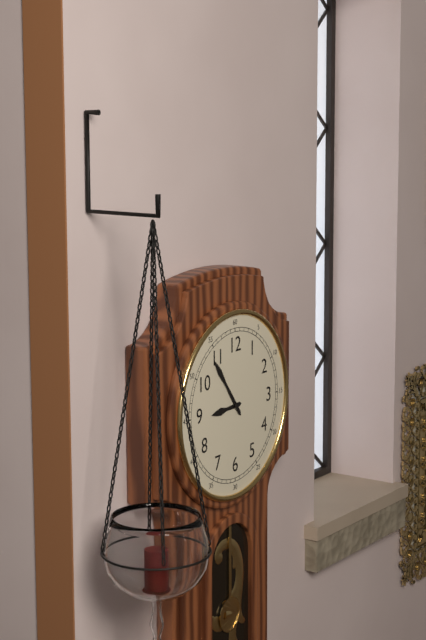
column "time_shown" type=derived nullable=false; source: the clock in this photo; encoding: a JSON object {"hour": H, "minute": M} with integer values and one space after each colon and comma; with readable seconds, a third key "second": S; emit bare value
{"hour": 8, "minute": 54}
